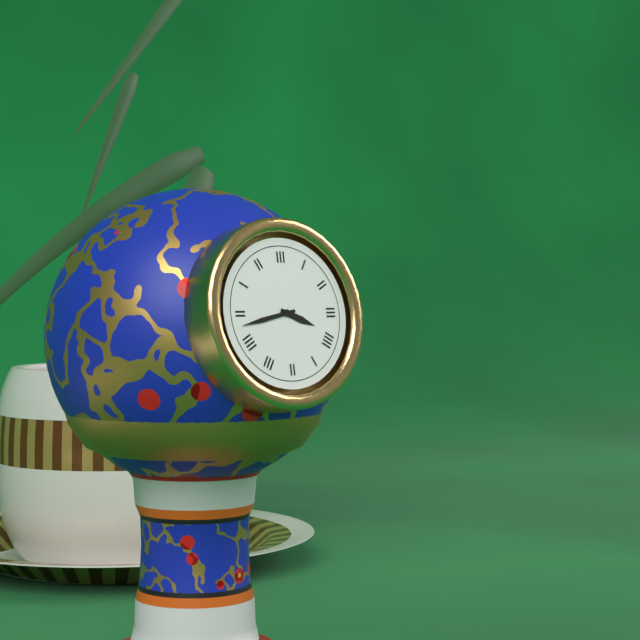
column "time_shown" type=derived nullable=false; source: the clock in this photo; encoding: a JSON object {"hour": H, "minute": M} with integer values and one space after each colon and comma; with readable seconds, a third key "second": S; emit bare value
{"hour": 3, "minute": 43}
